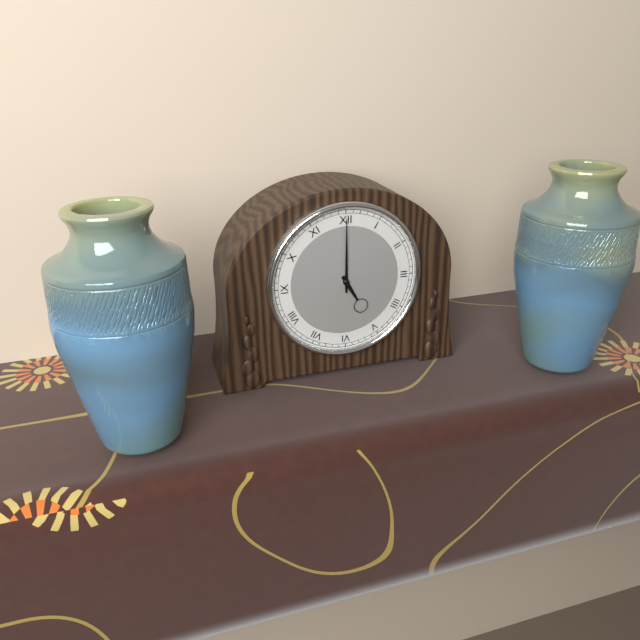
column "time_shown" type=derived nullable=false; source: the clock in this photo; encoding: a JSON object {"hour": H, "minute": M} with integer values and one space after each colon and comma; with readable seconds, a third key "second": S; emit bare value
{"hour": 5, "minute": 0}
